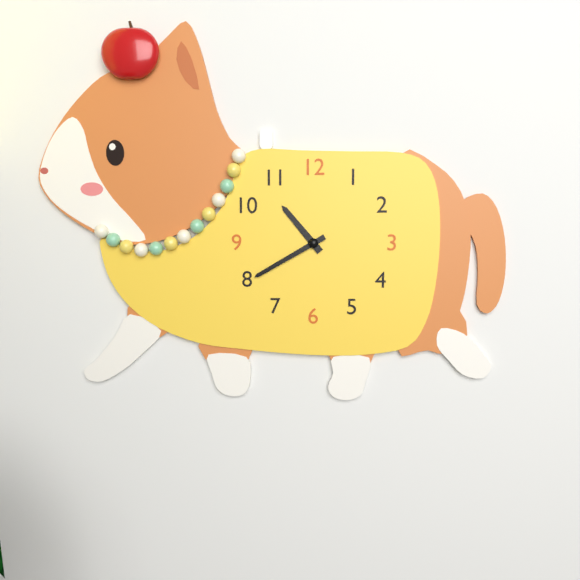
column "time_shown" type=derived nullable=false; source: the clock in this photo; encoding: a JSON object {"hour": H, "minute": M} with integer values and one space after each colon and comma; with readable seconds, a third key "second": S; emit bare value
{"hour": 10, "minute": 40}
